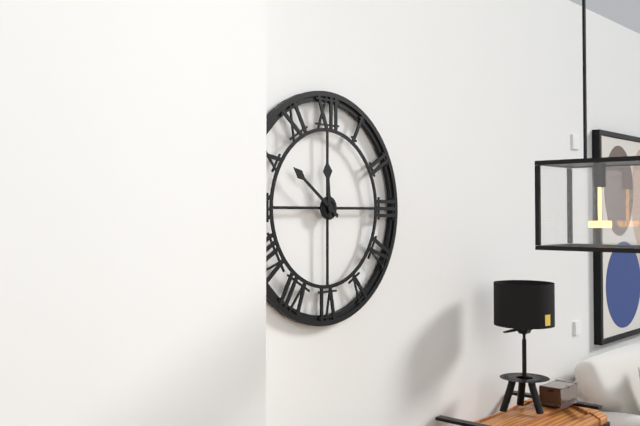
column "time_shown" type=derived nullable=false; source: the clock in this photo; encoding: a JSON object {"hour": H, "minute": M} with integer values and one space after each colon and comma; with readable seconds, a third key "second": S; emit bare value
{"hour": 11, "minute": 51}
